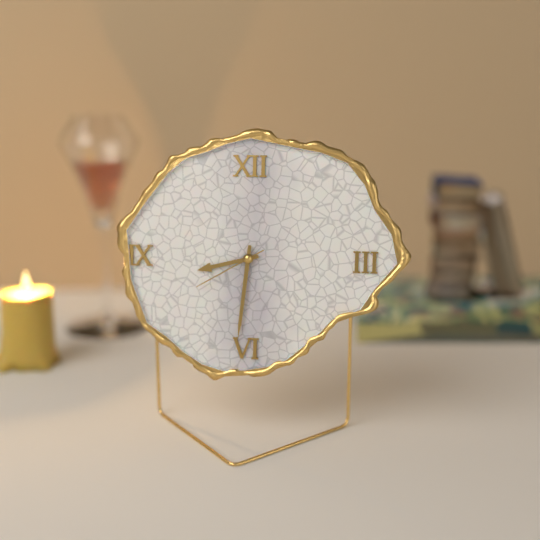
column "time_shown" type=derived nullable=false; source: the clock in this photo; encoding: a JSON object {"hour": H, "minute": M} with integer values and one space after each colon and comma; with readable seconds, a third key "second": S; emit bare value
{"hour": 8, "minute": 31, "second": 40}
